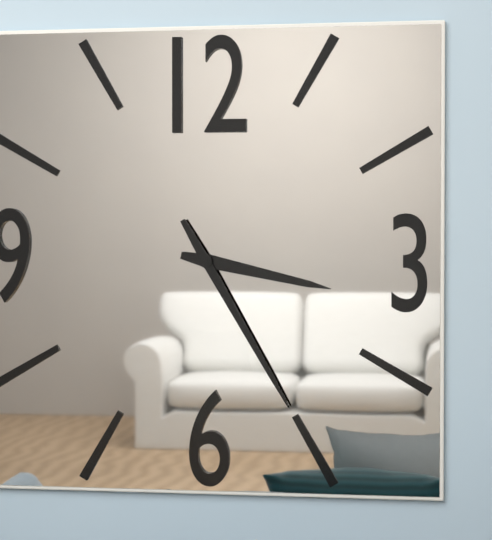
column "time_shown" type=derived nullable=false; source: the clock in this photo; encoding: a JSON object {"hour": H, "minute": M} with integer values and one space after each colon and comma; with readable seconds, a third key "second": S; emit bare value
{"hour": 3, "minute": 25}
